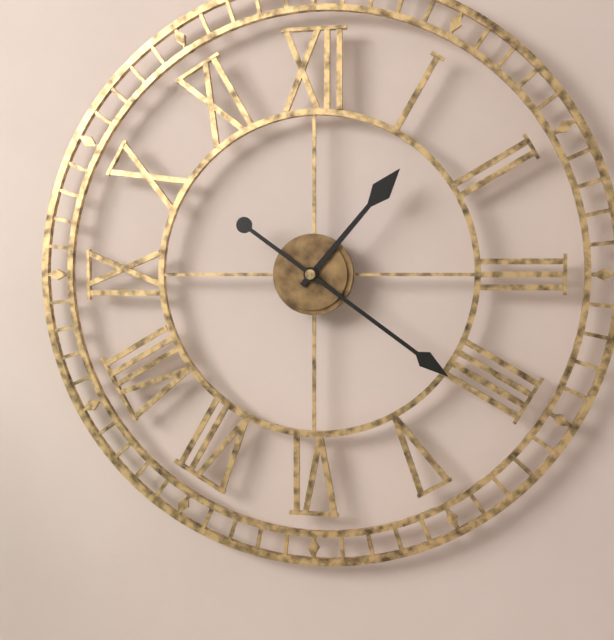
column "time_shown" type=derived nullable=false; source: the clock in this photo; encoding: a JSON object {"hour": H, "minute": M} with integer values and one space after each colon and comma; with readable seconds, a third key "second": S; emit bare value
{"hour": 1, "minute": 21}
